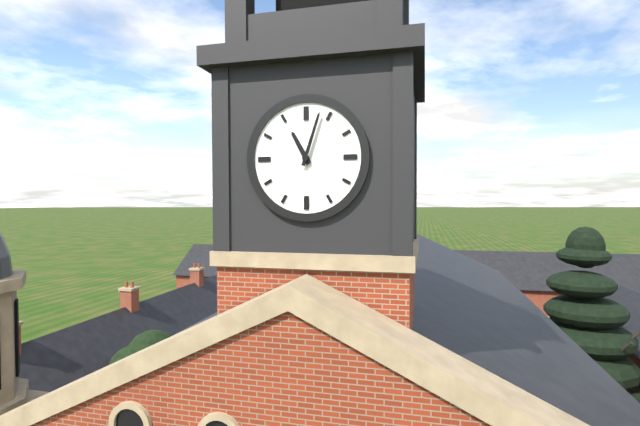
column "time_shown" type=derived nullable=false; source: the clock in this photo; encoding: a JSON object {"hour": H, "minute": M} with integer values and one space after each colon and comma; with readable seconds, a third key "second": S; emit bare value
{"hour": 11, "minute": 3}
